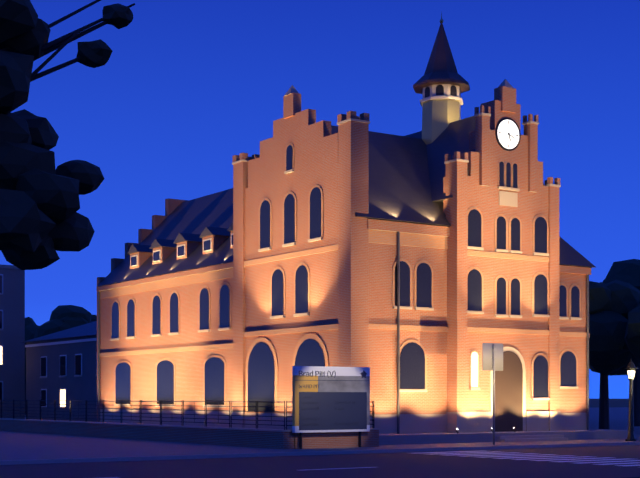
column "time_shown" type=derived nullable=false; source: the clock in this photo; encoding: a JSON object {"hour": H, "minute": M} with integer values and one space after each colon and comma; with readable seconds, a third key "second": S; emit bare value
{"hour": 5, "minute": 19}
